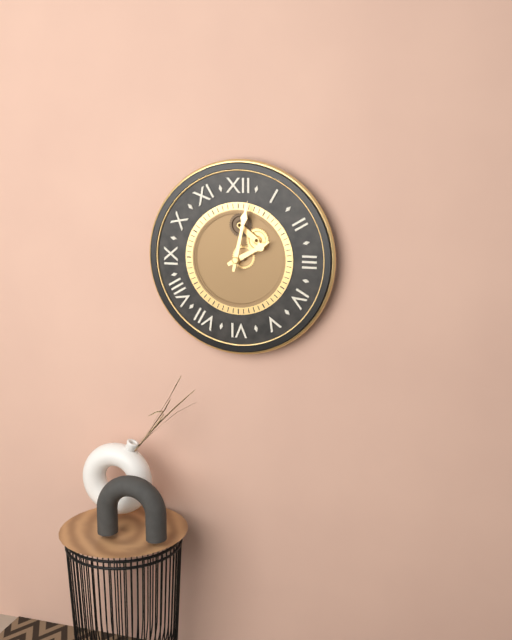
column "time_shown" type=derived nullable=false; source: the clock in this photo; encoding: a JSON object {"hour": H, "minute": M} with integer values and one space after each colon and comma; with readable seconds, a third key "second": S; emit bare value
{"hour": 2, "minute": 2}
